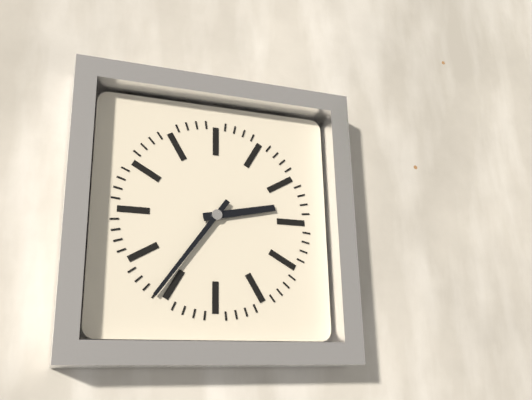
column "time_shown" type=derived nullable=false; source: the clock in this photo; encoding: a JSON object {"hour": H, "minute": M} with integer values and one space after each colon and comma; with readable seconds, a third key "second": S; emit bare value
{"hour": 2, "minute": 36}
